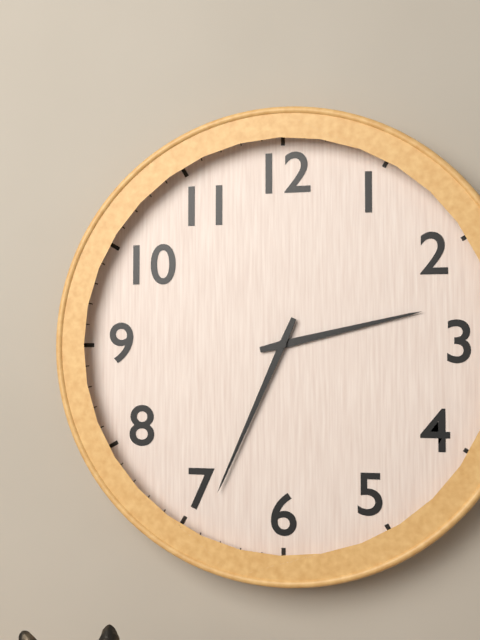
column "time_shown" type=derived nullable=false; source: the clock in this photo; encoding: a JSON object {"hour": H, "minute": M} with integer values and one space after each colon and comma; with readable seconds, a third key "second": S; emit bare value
{"hour": 2, "minute": 34}
